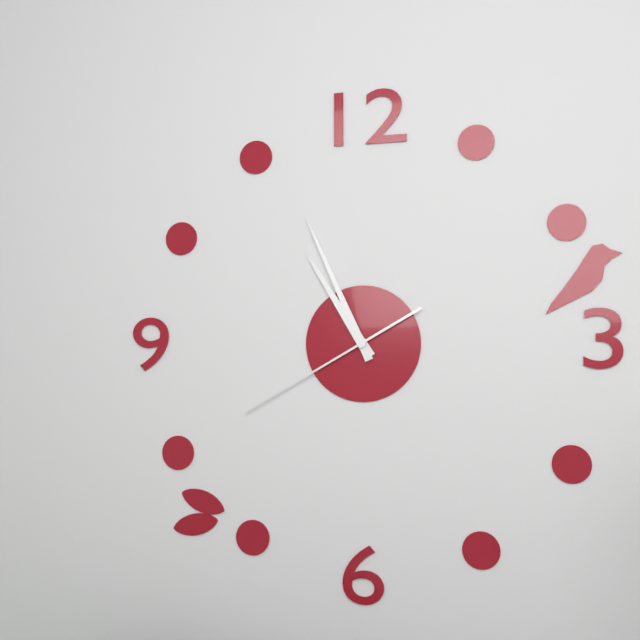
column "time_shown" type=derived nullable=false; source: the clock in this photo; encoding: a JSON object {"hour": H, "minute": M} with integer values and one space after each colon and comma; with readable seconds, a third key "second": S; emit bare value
{"hour": 10, "minute": 56, "second": 40}
